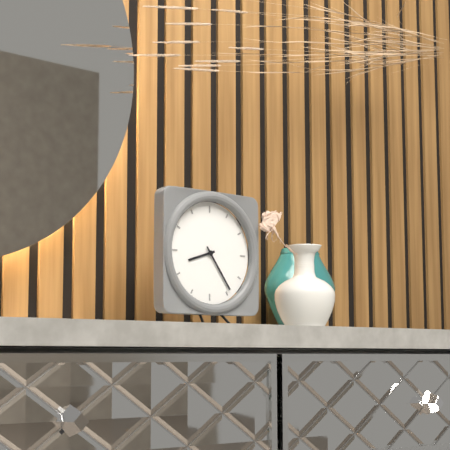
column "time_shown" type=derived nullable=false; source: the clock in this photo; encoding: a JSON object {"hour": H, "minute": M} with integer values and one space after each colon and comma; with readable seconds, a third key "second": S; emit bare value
{"hour": 8, "minute": 24}
